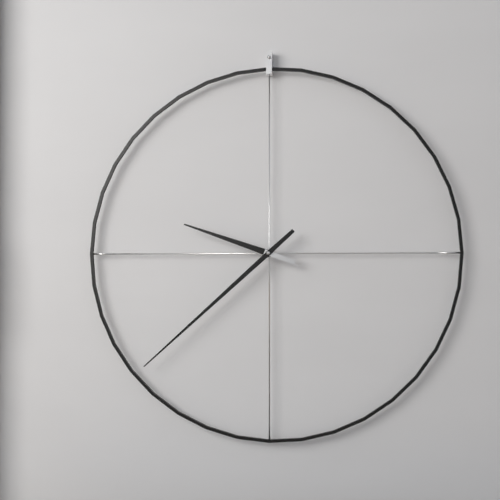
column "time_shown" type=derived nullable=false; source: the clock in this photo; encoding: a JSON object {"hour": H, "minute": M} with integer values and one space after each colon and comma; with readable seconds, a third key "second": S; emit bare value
{"hour": 9, "minute": 38}
